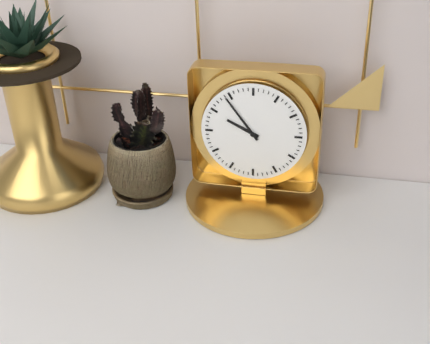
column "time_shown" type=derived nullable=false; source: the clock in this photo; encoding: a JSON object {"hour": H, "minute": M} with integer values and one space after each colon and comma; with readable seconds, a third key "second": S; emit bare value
{"hour": 9, "minute": 54}
